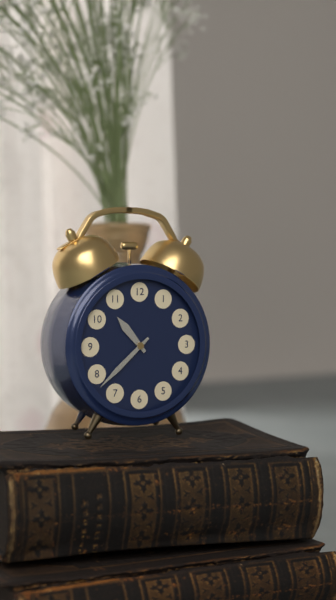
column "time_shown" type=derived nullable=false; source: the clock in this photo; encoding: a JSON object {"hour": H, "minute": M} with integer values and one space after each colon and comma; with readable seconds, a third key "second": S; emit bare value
{"hour": 10, "minute": 38}
